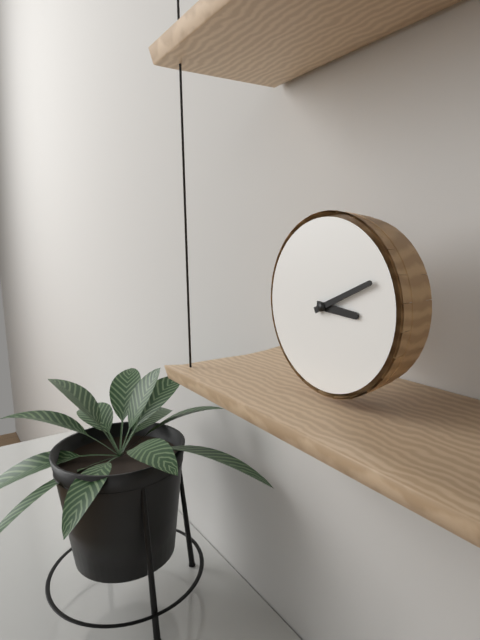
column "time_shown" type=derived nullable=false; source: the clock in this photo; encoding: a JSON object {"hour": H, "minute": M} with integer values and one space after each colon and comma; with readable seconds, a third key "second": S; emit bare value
{"hour": 3, "minute": 11}
